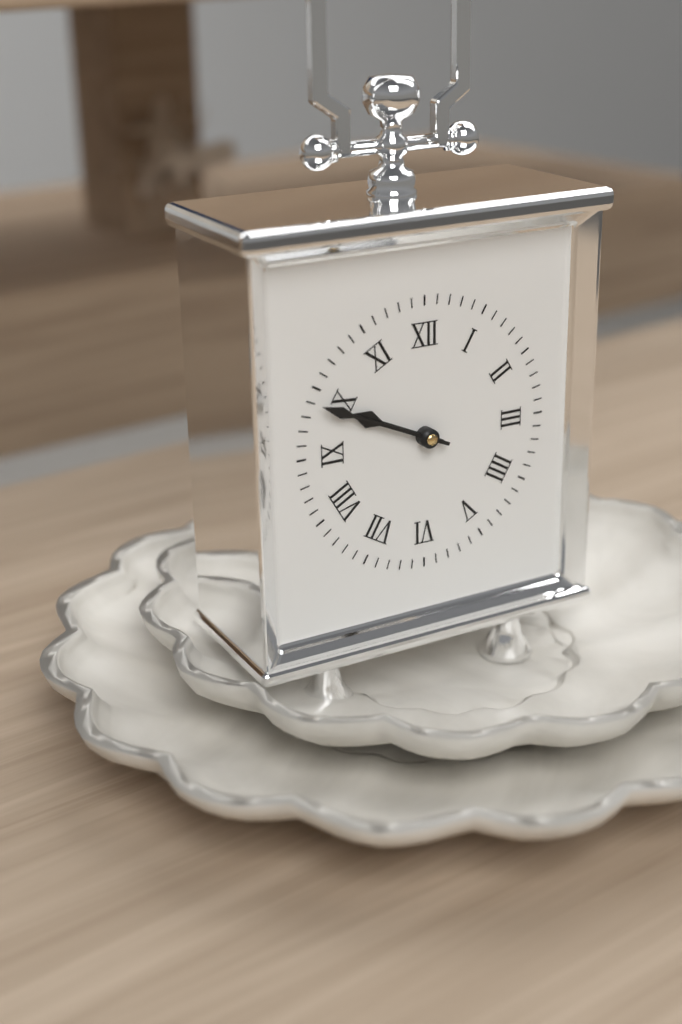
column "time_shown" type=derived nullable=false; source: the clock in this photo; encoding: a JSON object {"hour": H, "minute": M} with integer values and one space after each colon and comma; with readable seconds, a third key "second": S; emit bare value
{"hour": 9, "minute": 49}
